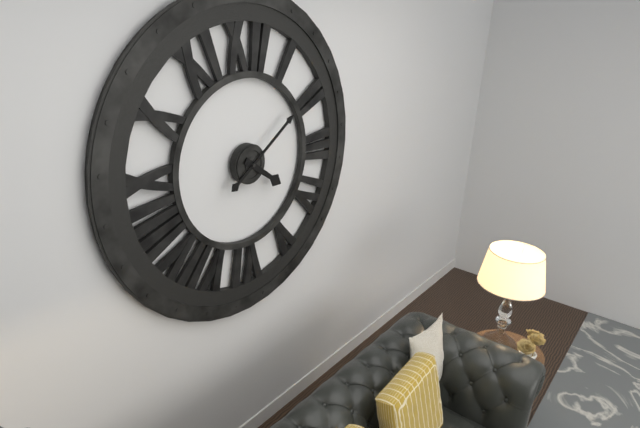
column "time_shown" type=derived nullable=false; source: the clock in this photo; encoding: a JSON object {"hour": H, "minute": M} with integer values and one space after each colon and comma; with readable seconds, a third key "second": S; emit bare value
{"hour": 4, "minute": 9}
